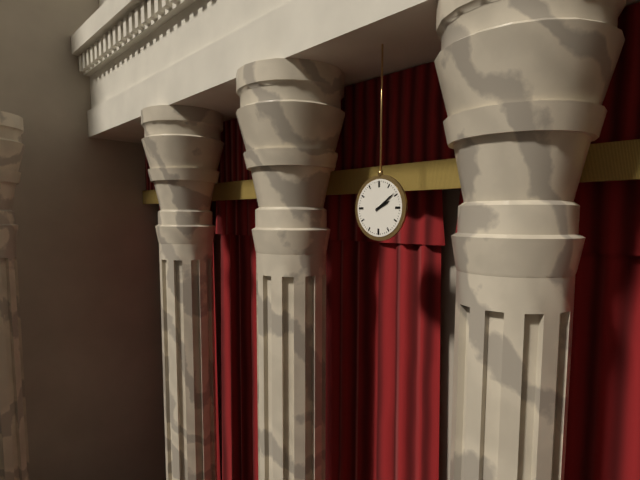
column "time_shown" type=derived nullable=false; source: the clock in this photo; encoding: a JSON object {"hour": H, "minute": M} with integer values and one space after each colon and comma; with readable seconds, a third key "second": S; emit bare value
{"hour": 2, "minute": 9}
